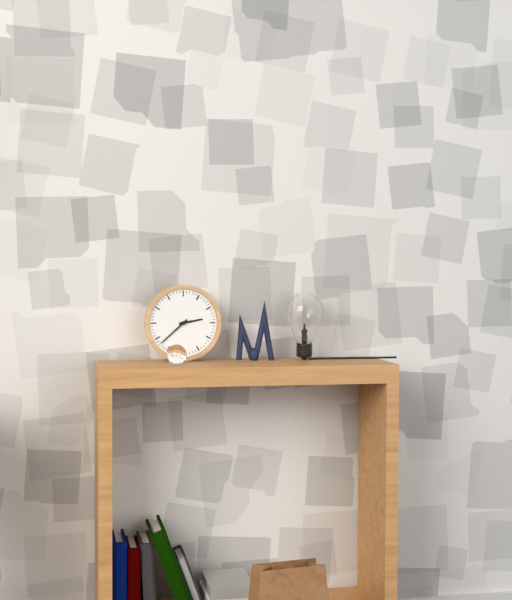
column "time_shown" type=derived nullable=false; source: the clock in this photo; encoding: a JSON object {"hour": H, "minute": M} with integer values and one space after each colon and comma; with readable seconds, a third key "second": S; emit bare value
{"hour": 2, "minute": 38}
